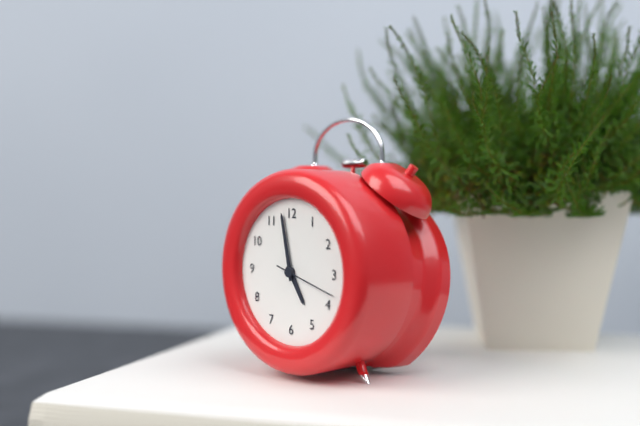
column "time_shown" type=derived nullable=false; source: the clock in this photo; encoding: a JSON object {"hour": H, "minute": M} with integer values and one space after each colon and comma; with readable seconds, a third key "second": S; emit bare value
{"hour": 4, "minute": 58, "second": 18}
